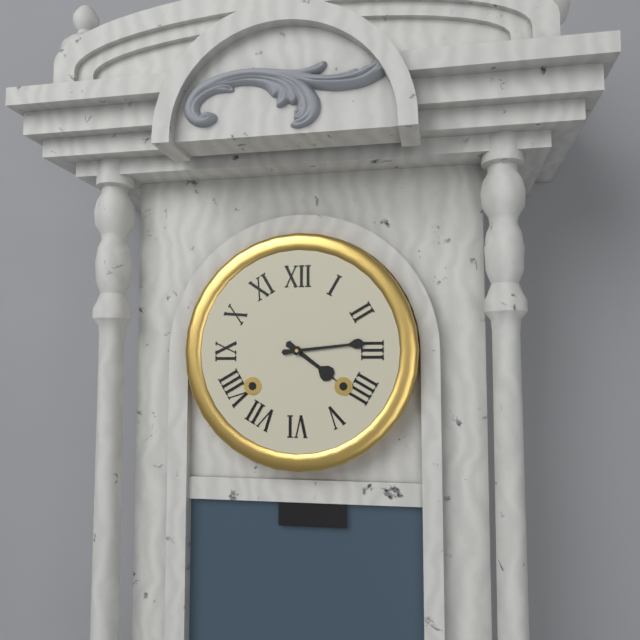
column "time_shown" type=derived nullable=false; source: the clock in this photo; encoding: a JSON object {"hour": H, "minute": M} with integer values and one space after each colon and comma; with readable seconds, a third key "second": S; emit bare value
{"hour": 4, "minute": 14}
